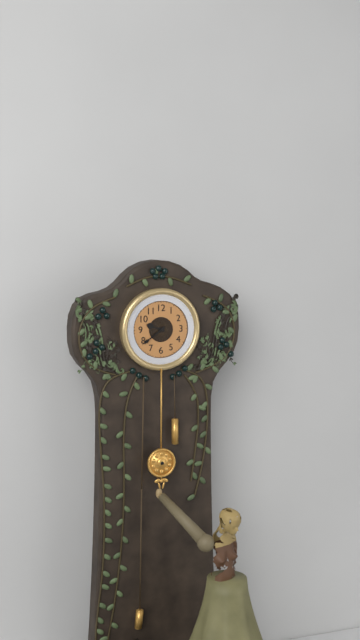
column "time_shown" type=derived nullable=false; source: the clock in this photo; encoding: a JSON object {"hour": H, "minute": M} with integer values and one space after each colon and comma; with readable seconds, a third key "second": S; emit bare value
{"hour": 9, "minute": 39}
